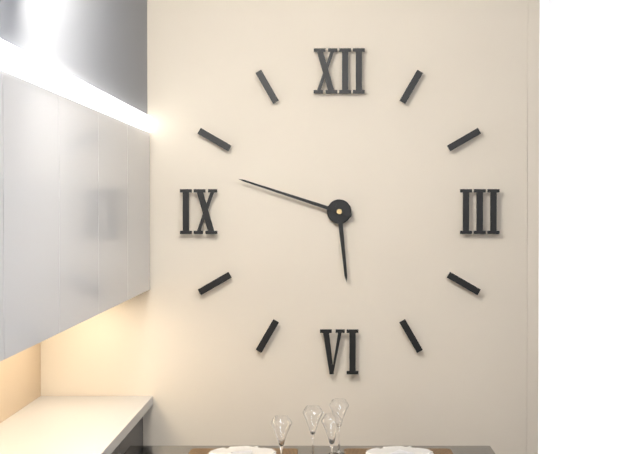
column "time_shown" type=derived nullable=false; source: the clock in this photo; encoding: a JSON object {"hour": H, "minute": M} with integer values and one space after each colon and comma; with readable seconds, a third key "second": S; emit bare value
{"hour": 5, "minute": 48}
